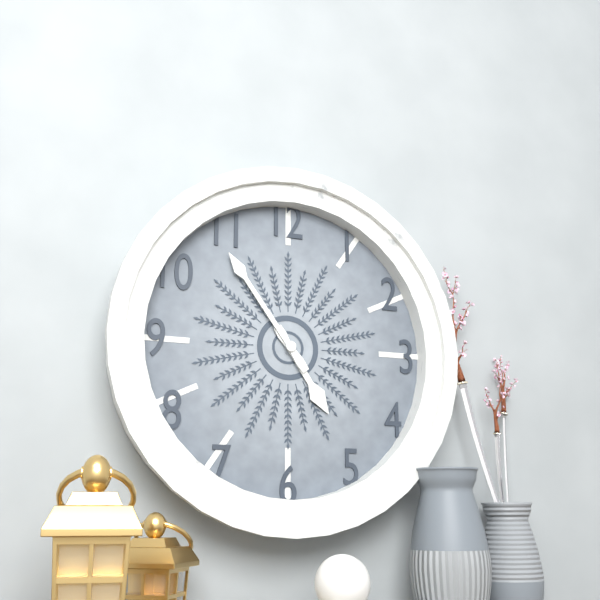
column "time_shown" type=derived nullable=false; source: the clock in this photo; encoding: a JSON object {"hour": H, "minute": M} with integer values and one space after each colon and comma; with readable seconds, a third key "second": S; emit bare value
{"hour": 4, "minute": 54}
